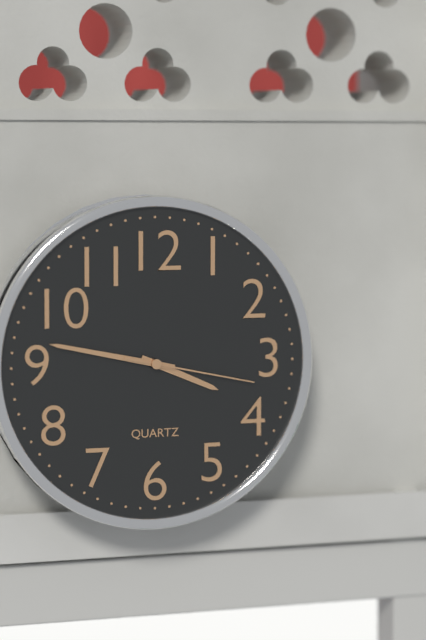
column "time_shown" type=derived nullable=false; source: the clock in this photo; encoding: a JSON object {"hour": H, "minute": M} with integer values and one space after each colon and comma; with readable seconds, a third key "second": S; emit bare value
{"hour": 3, "minute": 47, "second": 17}
